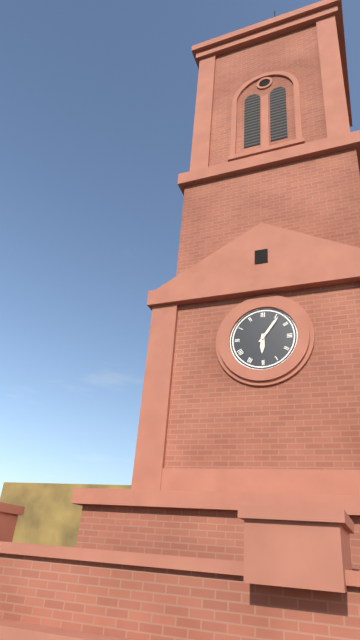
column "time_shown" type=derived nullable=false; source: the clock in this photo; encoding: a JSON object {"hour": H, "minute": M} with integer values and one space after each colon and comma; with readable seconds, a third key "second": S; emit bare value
{"hour": 6, "minute": 6}
